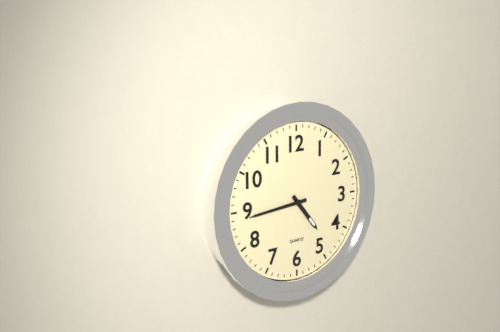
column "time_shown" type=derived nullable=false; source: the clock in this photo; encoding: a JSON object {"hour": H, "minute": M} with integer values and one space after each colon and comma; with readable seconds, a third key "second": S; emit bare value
{"hour": 4, "minute": 44}
